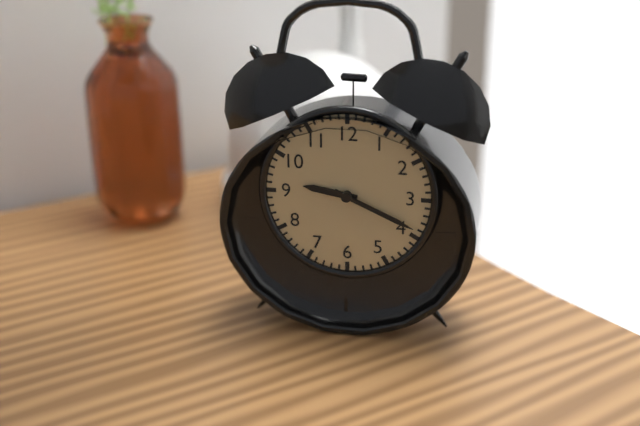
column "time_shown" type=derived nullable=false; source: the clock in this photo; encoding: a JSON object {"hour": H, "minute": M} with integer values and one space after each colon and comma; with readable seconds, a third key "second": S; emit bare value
{"hour": 9, "minute": 19}
